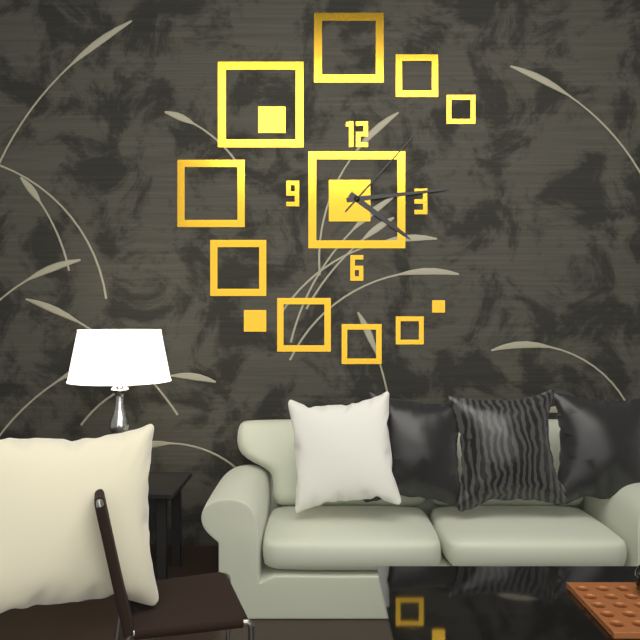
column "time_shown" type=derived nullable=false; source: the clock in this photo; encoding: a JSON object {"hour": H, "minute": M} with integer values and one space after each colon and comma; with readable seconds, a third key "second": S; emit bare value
{"hour": 4, "minute": 14, "second": 7}
